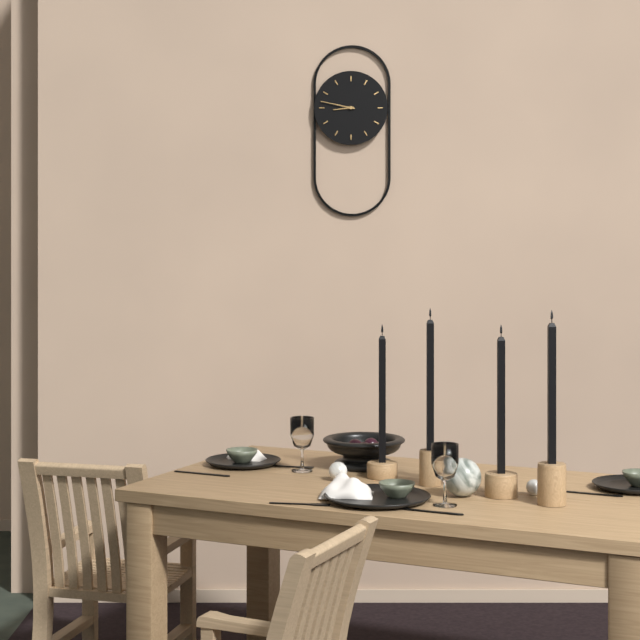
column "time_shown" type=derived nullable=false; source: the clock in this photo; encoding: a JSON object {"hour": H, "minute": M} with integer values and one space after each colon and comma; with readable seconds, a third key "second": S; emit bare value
{"hour": 8, "minute": 47}
